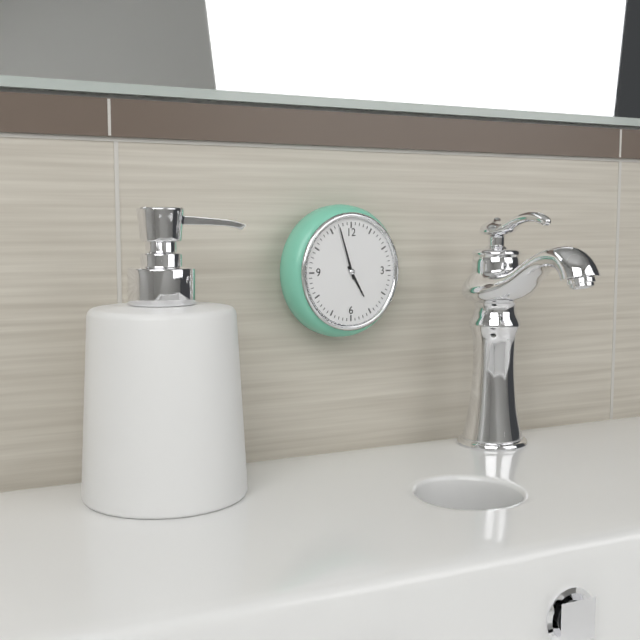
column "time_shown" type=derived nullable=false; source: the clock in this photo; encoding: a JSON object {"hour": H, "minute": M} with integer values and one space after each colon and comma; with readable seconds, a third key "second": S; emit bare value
{"hour": 4, "minute": 57}
